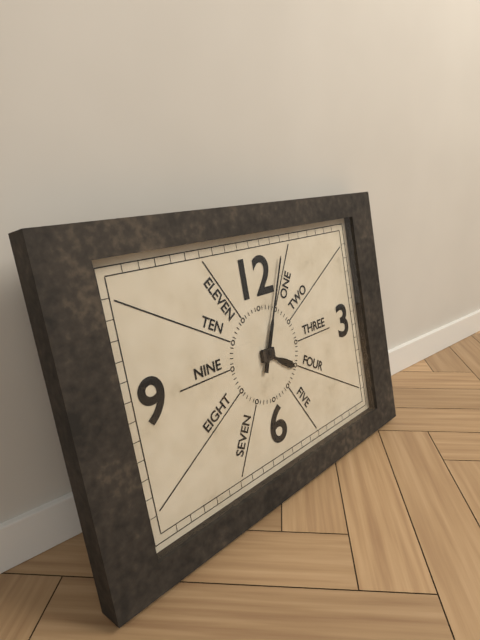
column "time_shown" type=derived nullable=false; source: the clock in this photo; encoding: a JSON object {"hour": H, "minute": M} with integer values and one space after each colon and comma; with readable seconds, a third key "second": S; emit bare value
{"hour": 4, "minute": 4}
